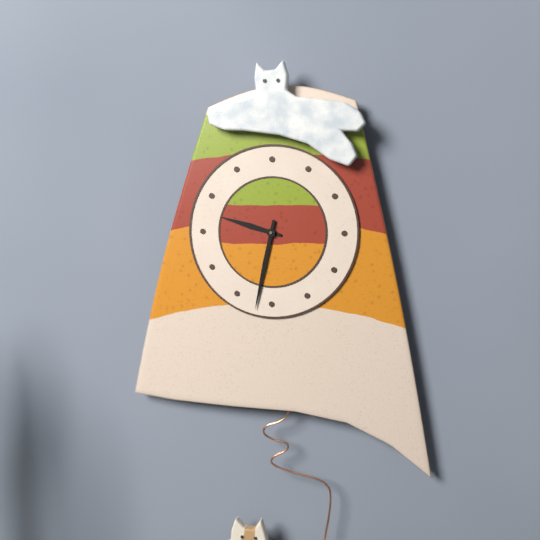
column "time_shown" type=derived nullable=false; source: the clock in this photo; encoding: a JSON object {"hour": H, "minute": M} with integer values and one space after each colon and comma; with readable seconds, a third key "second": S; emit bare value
{"hour": 9, "minute": 32}
